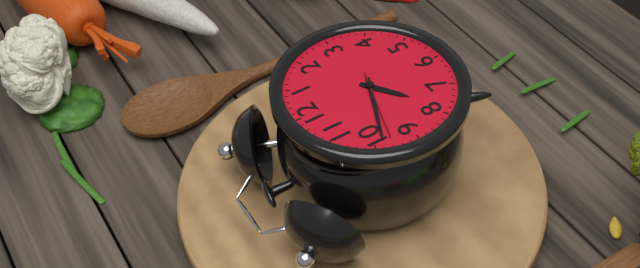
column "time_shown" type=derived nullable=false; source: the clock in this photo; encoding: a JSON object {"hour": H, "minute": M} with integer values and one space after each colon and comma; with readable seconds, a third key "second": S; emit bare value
{"hour": 7, "minute": 49, "second": 48}
